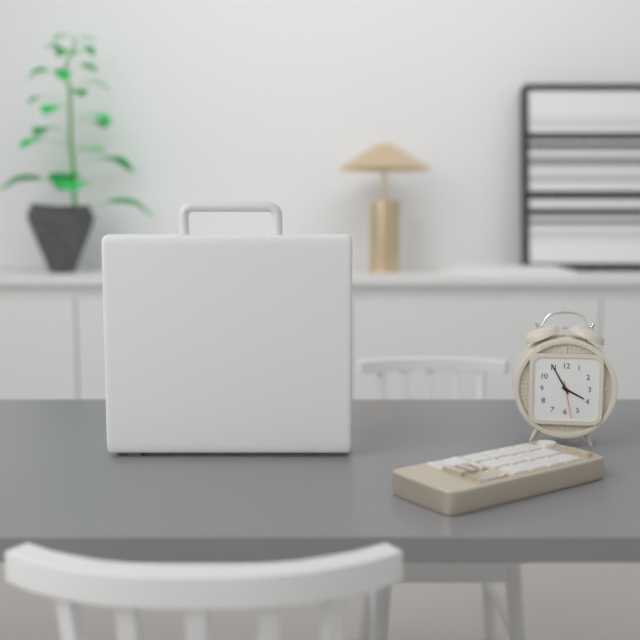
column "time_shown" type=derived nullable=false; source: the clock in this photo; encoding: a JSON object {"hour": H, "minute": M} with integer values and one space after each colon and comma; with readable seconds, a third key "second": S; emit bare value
{"hour": 3, "minute": 55}
